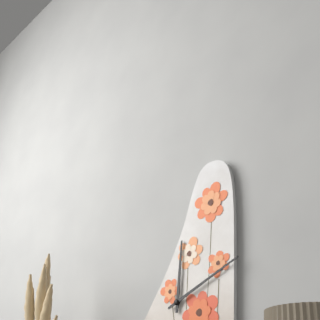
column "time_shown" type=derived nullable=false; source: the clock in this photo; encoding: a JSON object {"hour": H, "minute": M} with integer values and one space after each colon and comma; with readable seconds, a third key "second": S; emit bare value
{"hour": 12, "minute": 11}
